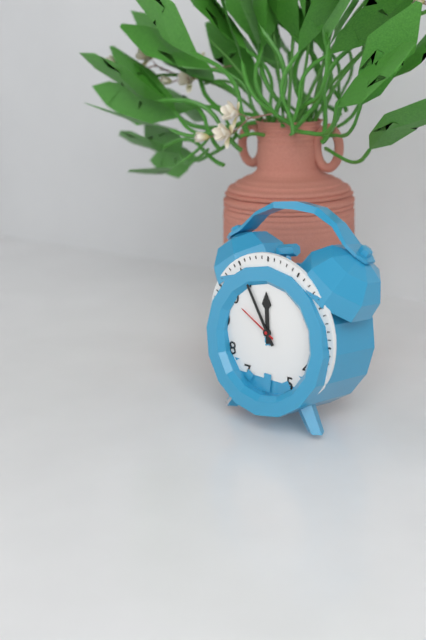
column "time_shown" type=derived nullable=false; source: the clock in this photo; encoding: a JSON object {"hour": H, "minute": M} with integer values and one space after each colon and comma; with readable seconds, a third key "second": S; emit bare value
{"hour": 11, "minute": 55}
